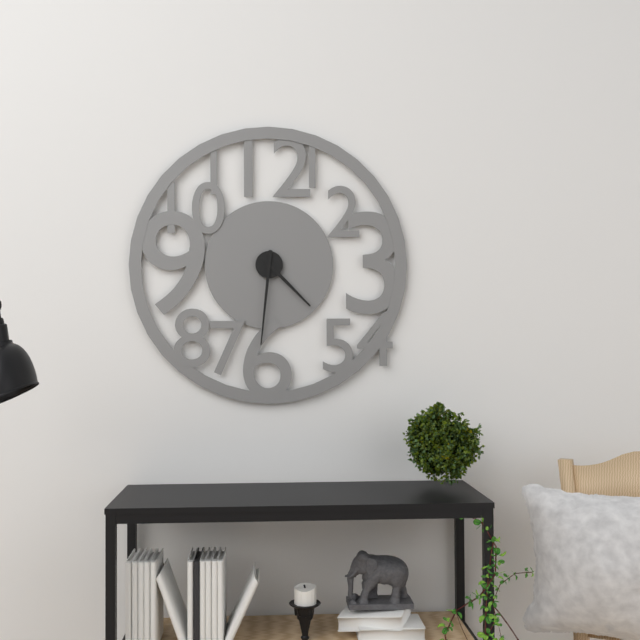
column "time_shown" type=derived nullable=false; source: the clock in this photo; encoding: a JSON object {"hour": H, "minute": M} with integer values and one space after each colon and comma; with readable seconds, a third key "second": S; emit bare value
{"hour": 4, "minute": 31}
